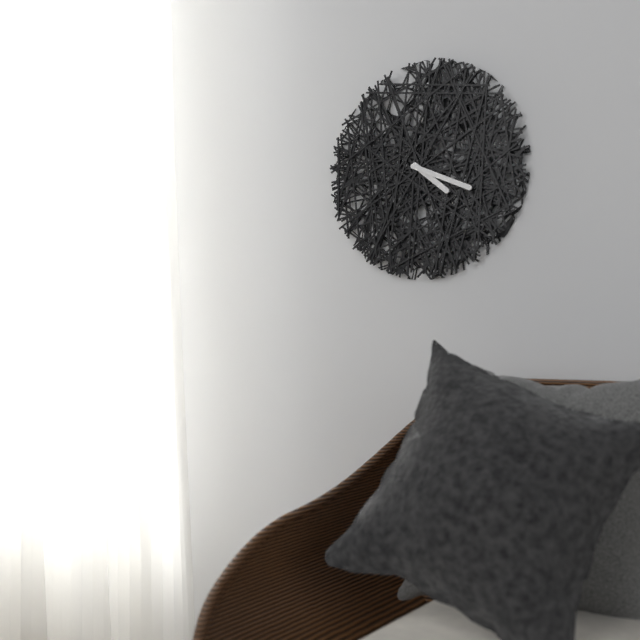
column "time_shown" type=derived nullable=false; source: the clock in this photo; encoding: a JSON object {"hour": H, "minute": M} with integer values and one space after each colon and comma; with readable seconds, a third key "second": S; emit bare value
{"hour": 4, "minute": 19}
